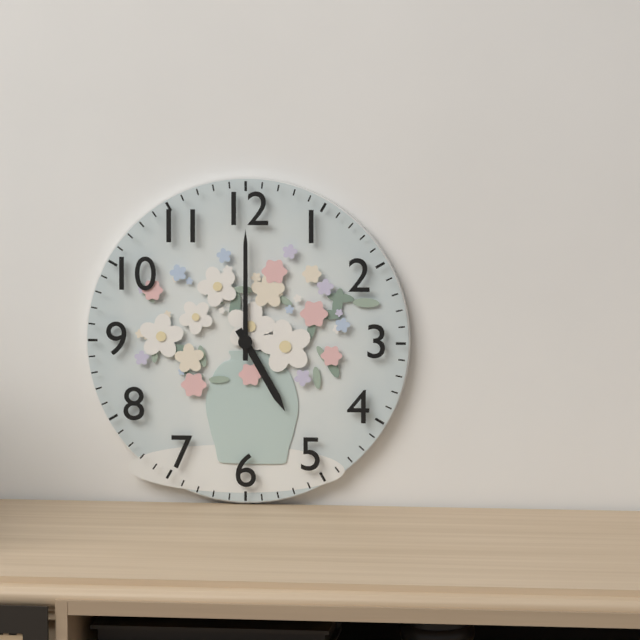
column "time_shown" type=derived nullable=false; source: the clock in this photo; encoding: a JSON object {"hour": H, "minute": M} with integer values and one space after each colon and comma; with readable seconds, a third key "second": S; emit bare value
{"hour": 5, "minute": 0}
